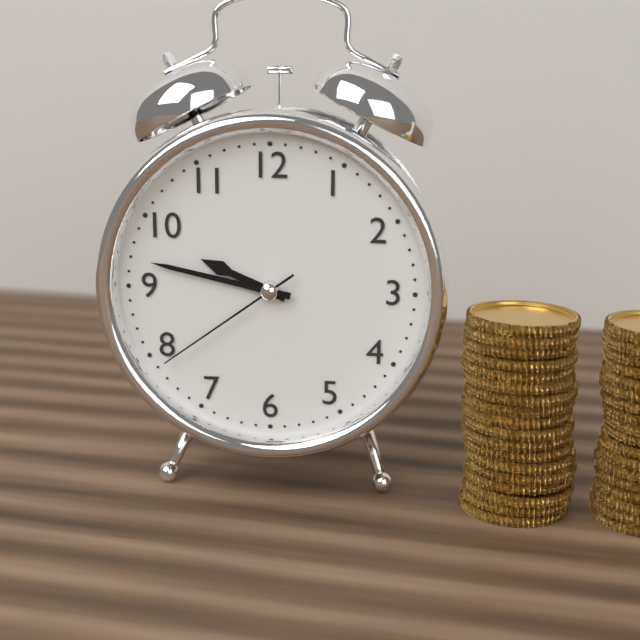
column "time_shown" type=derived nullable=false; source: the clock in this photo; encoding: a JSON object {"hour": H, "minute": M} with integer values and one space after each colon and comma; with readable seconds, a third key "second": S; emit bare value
{"hour": 9, "minute": 47, "second": 39}
